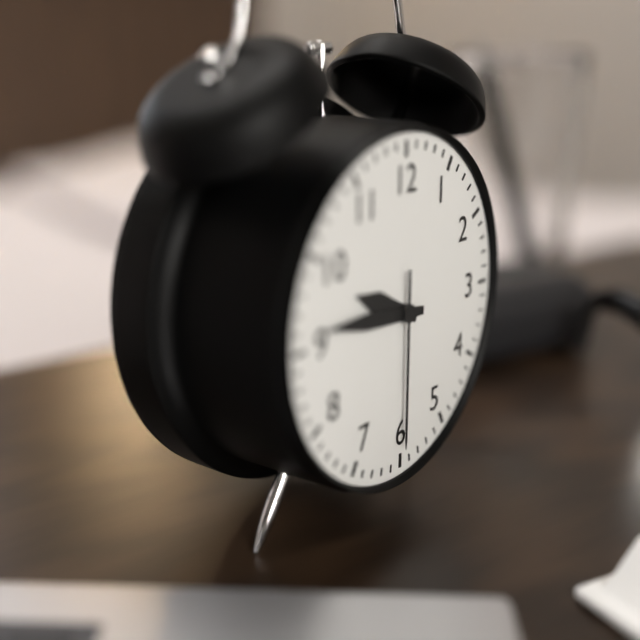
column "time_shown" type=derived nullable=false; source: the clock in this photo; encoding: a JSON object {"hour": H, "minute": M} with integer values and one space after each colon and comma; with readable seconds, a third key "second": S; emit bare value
{"hour": 9, "minute": 46, "second": 30}
